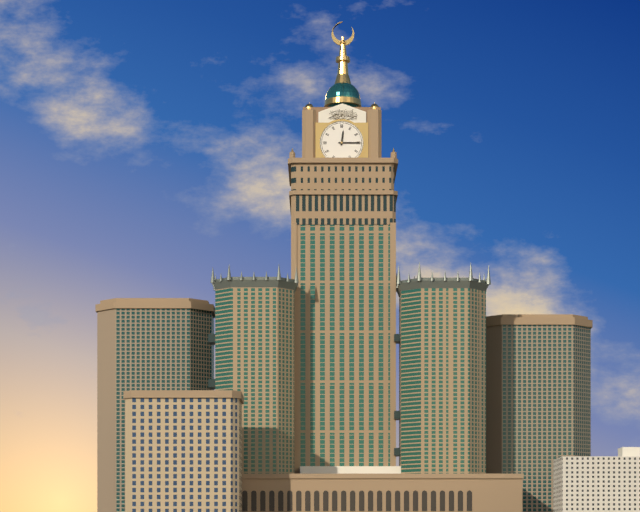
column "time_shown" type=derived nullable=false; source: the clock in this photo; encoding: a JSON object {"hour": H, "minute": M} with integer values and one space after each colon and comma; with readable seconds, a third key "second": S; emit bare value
{"hour": 12, "minute": 15}
